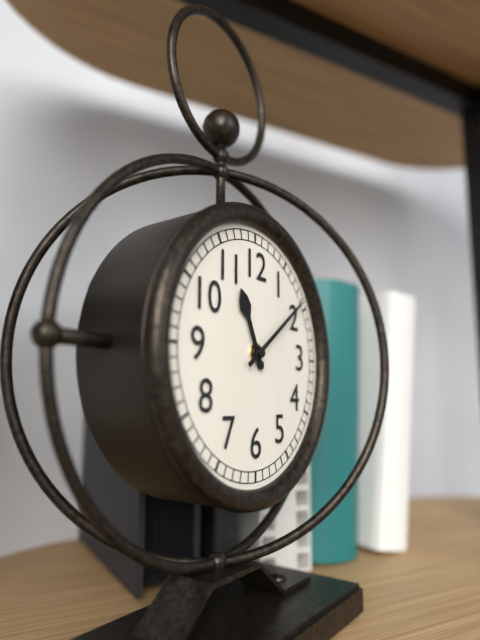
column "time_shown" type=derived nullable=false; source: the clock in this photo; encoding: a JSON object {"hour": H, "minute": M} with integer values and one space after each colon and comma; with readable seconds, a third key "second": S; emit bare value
{"hour": 11, "minute": 9}
